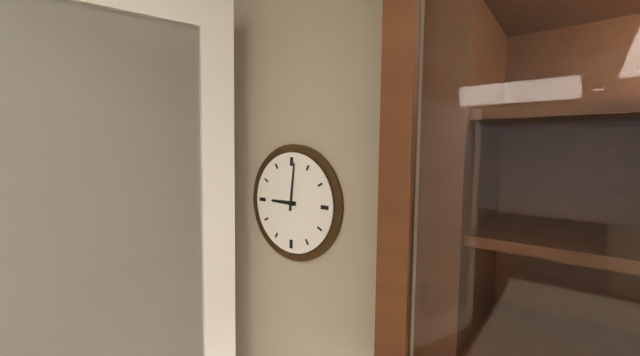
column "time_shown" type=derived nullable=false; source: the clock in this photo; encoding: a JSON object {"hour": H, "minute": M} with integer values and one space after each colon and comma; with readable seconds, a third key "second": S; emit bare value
{"hour": 9, "minute": 1}
